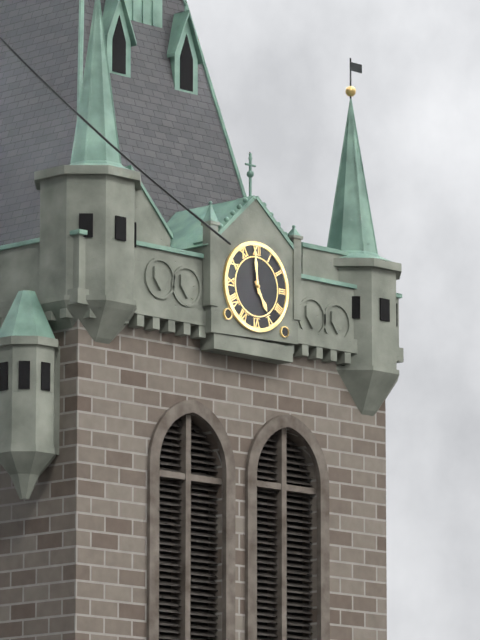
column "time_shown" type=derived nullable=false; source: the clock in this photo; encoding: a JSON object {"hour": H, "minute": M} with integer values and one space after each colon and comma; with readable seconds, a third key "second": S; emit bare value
{"hour": 4, "minute": 59}
